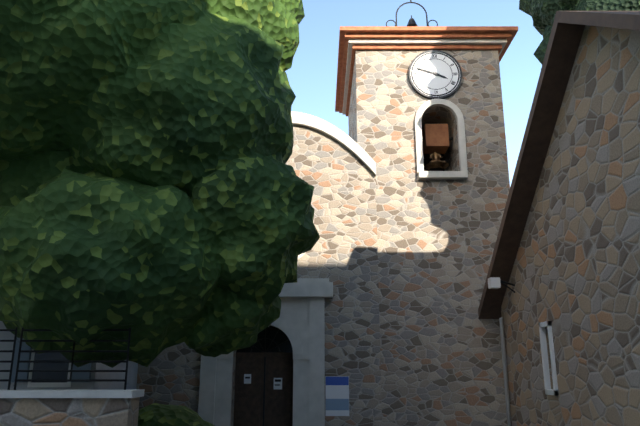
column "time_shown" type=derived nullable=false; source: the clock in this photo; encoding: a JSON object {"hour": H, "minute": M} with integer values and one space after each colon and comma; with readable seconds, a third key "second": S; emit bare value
{"hour": 3, "minute": 48}
